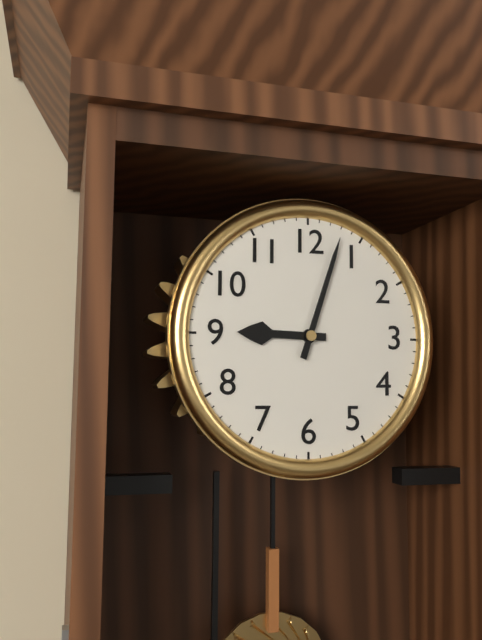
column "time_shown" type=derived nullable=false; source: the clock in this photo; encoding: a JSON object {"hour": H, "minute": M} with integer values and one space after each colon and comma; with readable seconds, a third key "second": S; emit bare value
{"hour": 9, "minute": 3}
